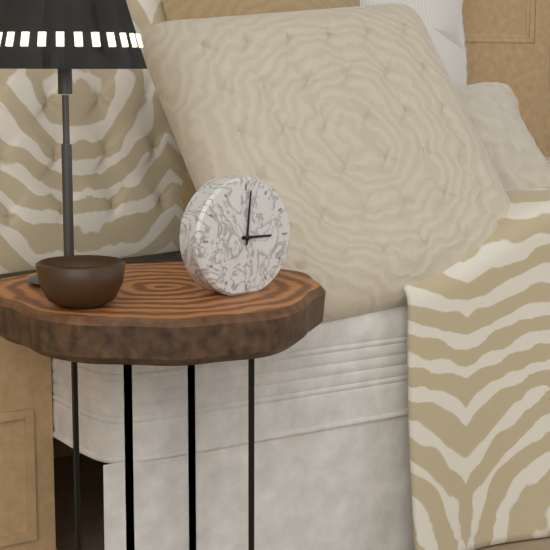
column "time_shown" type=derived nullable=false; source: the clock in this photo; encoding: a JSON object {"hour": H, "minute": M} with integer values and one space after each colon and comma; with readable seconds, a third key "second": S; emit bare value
{"hour": 3, "minute": 1}
